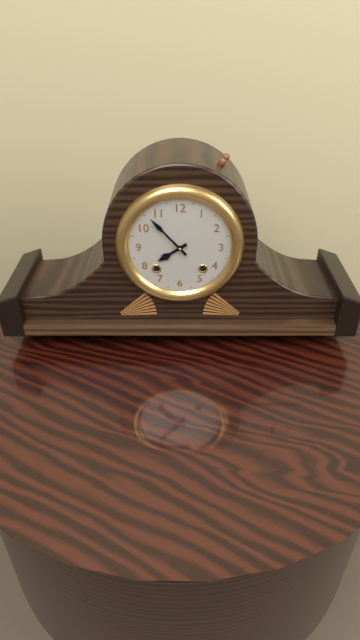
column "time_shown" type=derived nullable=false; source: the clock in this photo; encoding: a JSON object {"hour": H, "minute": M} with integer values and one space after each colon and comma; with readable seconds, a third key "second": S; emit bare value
{"hour": 7, "minute": 53}
